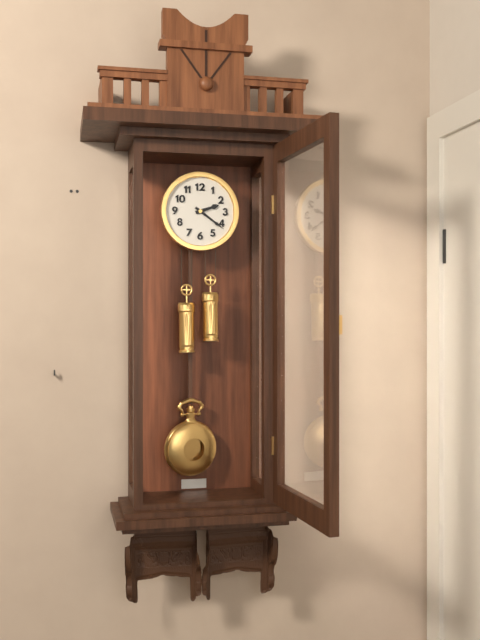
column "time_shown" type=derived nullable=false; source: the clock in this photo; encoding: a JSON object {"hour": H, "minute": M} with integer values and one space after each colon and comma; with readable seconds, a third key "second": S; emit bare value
{"hour": 2, "minute": 21}
